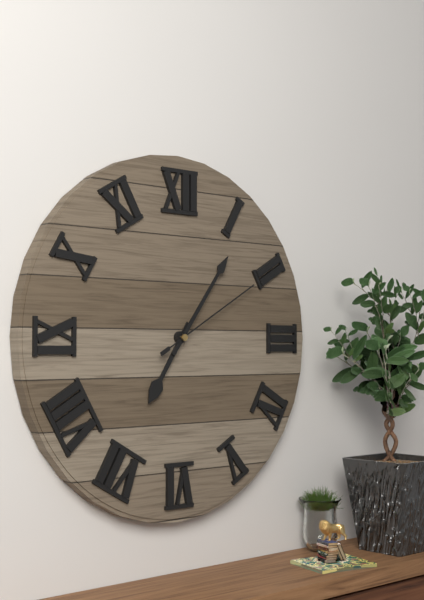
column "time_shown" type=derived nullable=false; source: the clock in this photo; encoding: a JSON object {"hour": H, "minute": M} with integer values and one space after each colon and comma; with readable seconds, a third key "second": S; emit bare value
{"hour": 7, "minute": 6, "second": 10}
